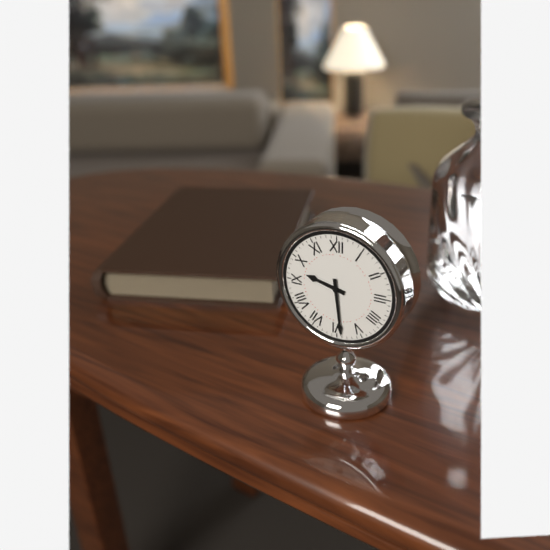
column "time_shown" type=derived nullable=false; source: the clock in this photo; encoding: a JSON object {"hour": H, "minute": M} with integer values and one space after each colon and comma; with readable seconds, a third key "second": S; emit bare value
{"hour": 9, "minute": 29}
